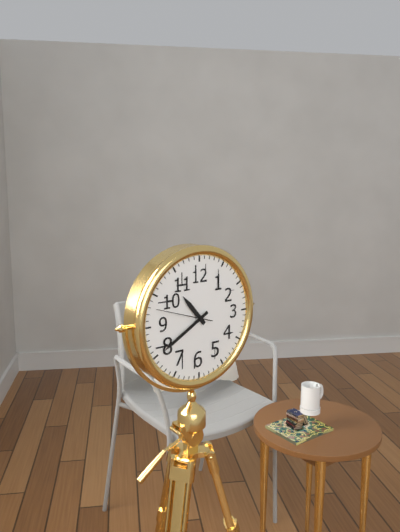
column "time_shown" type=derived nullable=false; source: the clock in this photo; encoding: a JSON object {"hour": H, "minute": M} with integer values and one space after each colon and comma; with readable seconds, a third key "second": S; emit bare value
{"hour": 10, "minute": 40}
